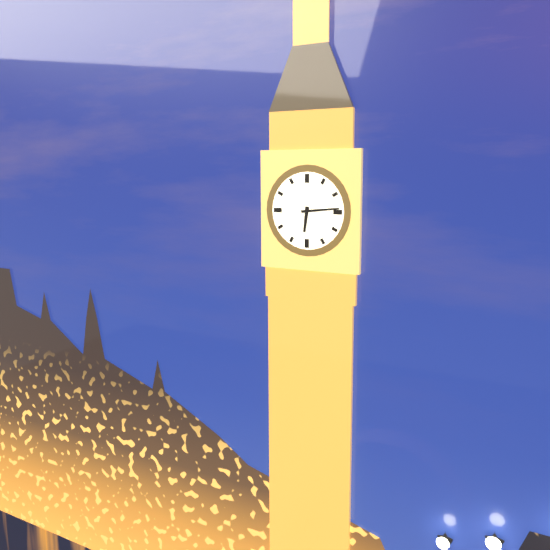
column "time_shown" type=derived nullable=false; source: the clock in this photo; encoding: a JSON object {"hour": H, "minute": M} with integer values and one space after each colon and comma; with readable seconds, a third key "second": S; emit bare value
{"hour": 6, "minute": 14}
